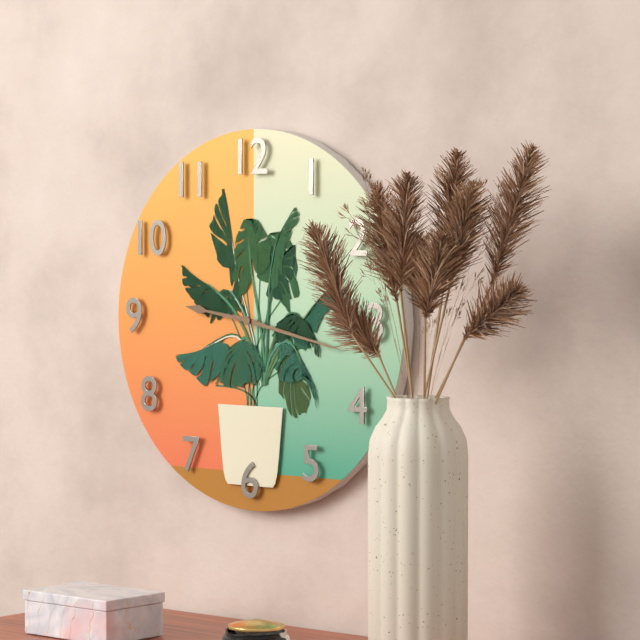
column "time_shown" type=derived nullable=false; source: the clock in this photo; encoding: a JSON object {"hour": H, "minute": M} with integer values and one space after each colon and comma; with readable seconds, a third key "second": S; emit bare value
{"hour": 9, "minute": 17}
